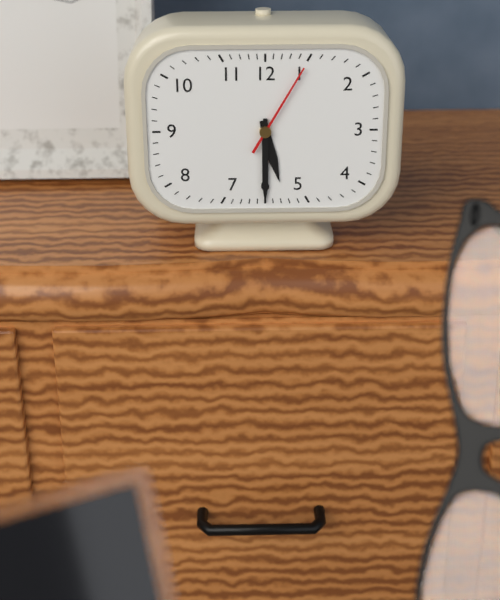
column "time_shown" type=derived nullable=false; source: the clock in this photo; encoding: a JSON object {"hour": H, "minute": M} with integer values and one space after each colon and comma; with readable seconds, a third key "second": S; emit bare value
{"hour": 5, "minute": 30, "second": 5}
